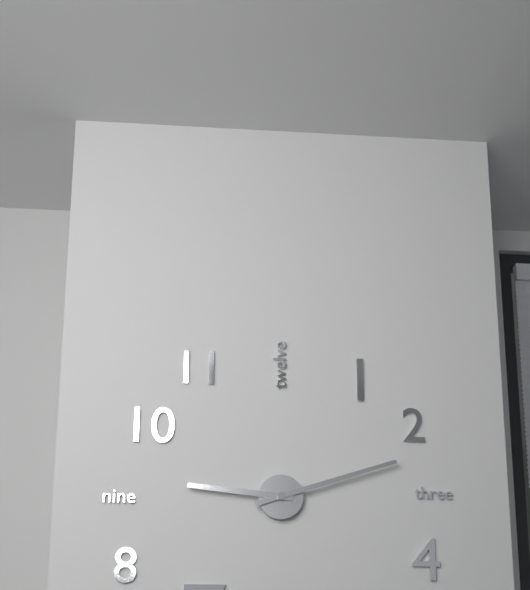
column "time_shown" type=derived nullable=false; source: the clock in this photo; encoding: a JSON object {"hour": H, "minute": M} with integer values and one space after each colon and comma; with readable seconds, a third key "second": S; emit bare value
{"hour": 9, "minute": 12}
